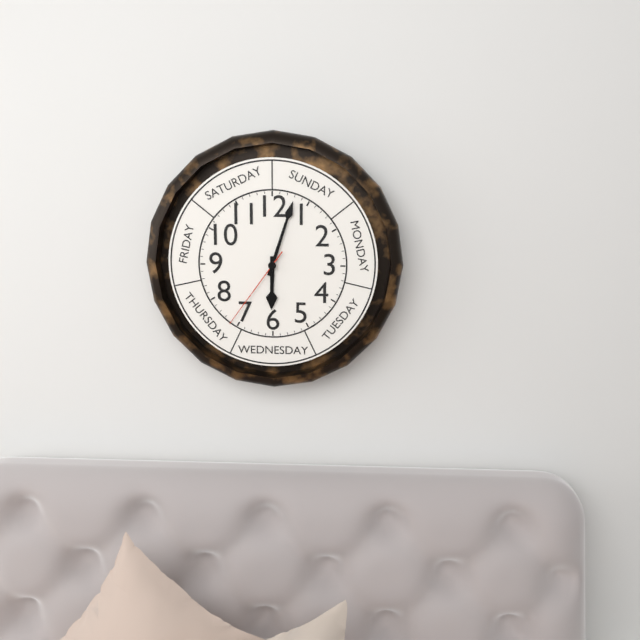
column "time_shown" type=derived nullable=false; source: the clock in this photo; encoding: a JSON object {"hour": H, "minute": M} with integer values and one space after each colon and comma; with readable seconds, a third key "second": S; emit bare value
{"hour": 6, "minute": 3, "second": 36}
